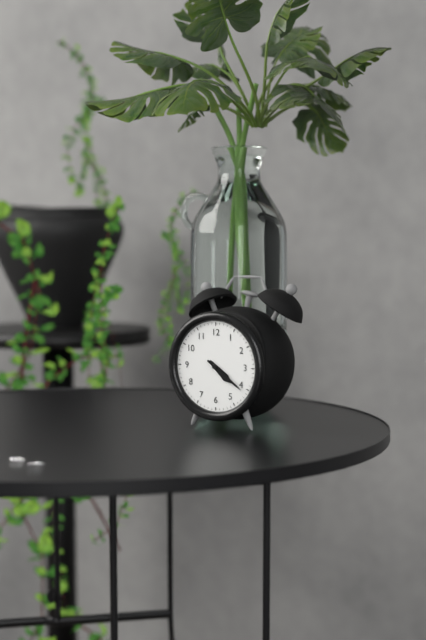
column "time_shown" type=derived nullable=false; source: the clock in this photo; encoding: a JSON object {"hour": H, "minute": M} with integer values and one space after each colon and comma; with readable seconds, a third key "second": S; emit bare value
{"hour": 4, "minute": 21}
